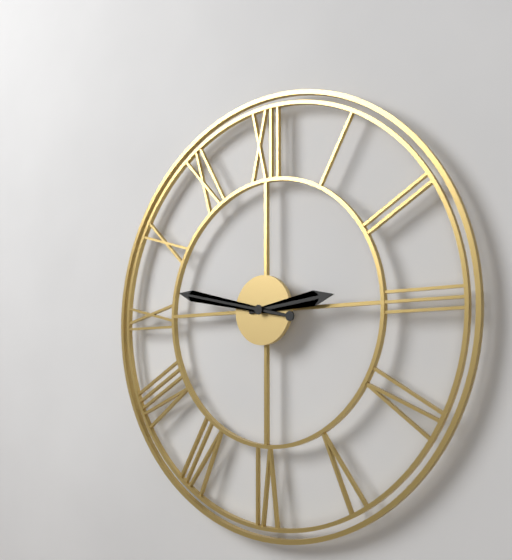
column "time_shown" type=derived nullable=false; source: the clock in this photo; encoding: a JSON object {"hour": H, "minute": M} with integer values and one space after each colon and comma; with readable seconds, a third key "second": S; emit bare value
{"hour": 2, "minute": 47}
